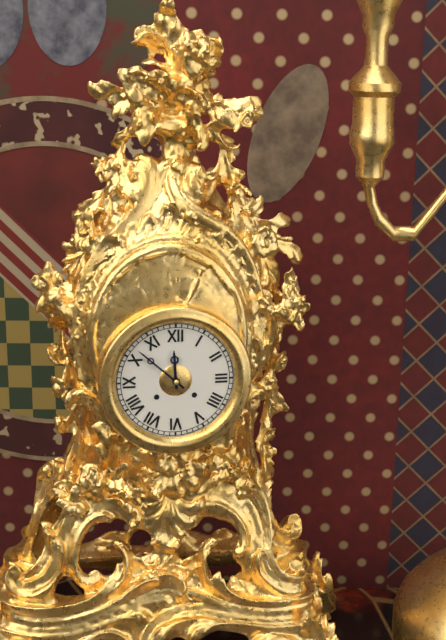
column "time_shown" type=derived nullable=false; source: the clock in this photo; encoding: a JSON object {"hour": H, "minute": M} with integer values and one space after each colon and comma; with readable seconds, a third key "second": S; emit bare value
{"hour": 11, "minute": 52}
